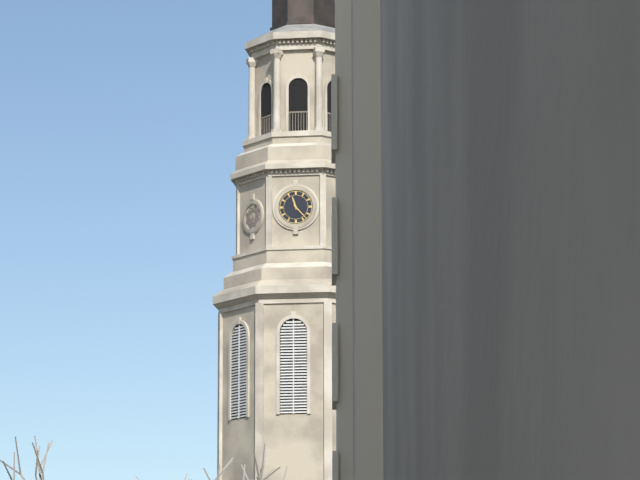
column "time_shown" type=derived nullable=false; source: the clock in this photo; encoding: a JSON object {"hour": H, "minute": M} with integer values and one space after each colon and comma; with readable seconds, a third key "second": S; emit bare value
{"hour": 11, "minute": 23}
